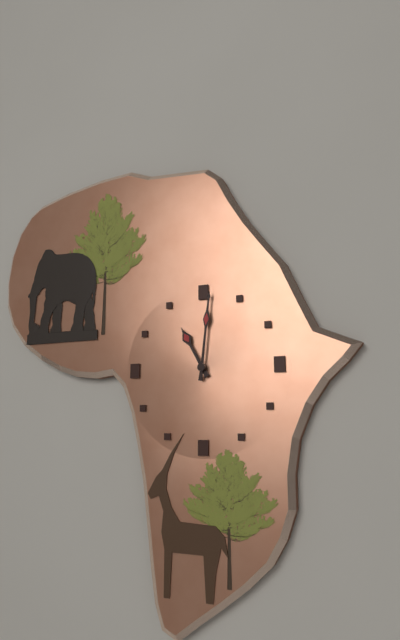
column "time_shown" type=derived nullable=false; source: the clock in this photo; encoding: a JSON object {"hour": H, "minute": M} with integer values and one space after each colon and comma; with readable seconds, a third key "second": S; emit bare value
{"hour": 11, "minute": 1}
